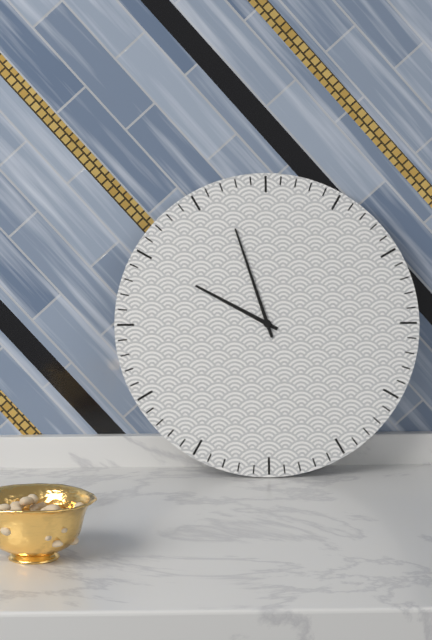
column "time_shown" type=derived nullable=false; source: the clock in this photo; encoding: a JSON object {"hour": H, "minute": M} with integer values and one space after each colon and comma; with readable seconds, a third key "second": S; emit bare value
{"hour": 9, "minute": 57}
